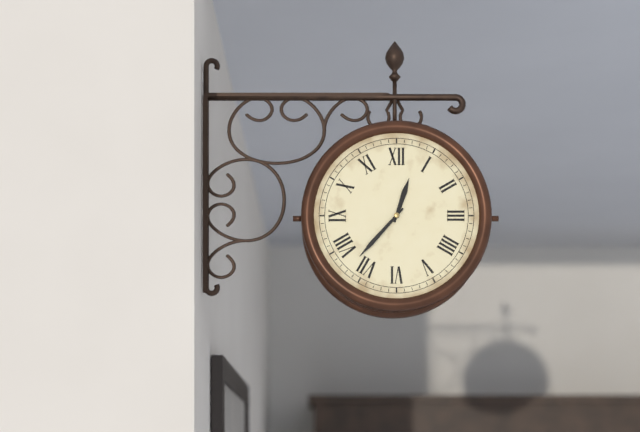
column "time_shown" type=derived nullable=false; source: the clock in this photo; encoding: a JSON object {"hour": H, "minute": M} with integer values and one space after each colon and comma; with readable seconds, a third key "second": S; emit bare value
{"hour": 12, "minute": 37}
